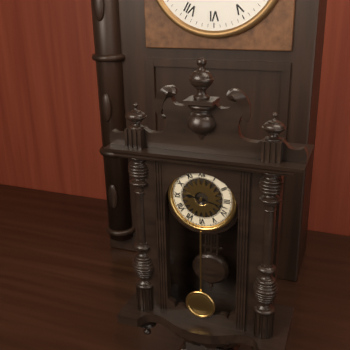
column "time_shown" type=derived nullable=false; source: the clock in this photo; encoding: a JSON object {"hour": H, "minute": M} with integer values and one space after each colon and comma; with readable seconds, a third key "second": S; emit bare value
{"hour": 9, "minute": 17}
